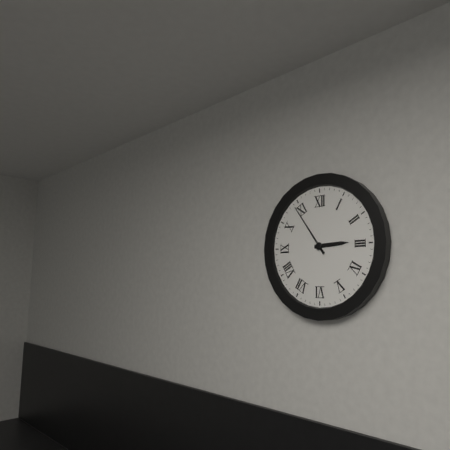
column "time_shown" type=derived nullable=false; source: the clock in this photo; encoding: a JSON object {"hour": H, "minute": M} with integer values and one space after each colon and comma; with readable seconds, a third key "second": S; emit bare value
{"hour": 2, "minute": 54}
